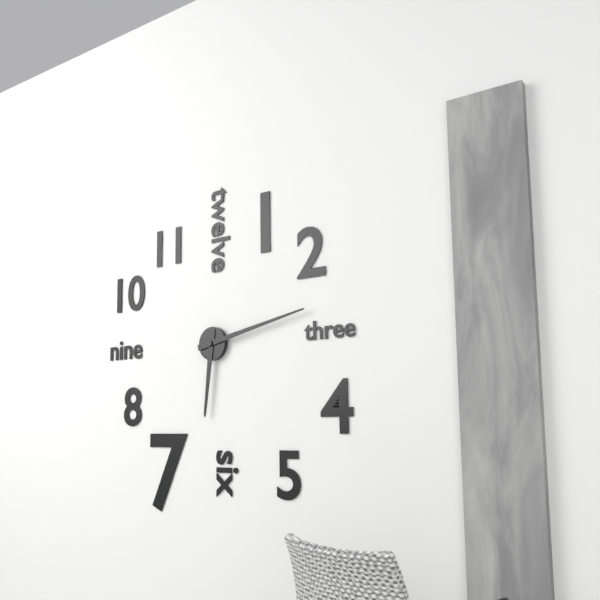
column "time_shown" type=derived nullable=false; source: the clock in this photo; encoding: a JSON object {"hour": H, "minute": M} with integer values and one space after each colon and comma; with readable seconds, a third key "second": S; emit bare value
{"hour": 6, "minute": 13}
